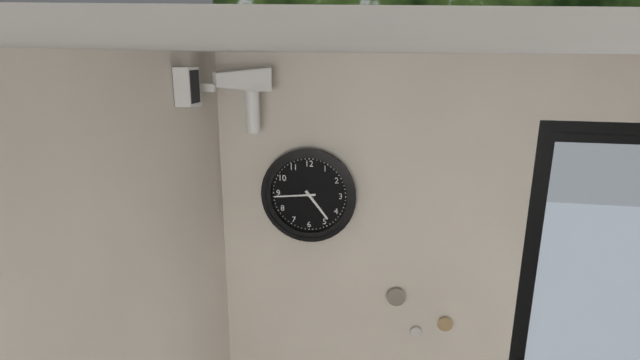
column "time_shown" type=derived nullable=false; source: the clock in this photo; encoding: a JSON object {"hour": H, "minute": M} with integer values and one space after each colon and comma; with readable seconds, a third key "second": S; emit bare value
{"hour": 4, "minute": 44}
